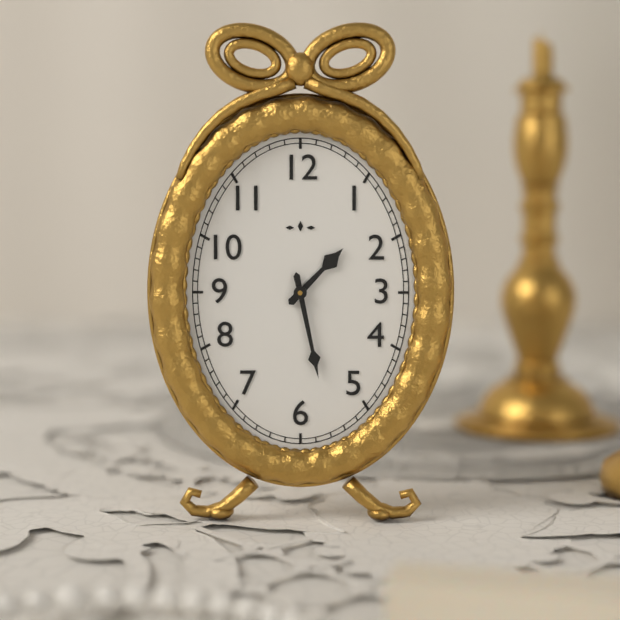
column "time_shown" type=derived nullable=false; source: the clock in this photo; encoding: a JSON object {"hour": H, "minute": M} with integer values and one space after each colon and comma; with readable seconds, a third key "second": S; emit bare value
{"hour": 1, "minute": 28}
